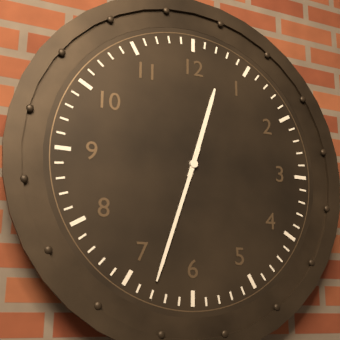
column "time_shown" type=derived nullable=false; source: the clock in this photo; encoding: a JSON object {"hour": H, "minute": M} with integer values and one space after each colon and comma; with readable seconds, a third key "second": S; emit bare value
{"hour": 12, "minute": 33}
